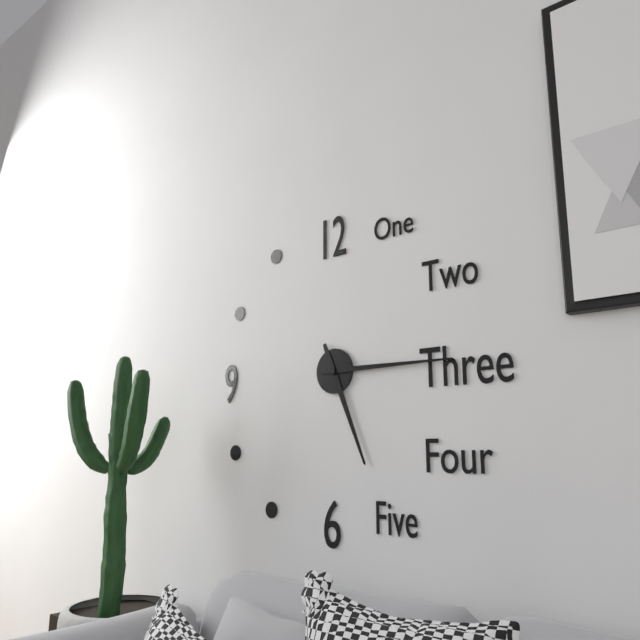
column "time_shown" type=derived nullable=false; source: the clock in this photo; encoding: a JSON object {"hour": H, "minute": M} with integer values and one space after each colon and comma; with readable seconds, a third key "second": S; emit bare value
{"hour": 5, "minute": 15}
